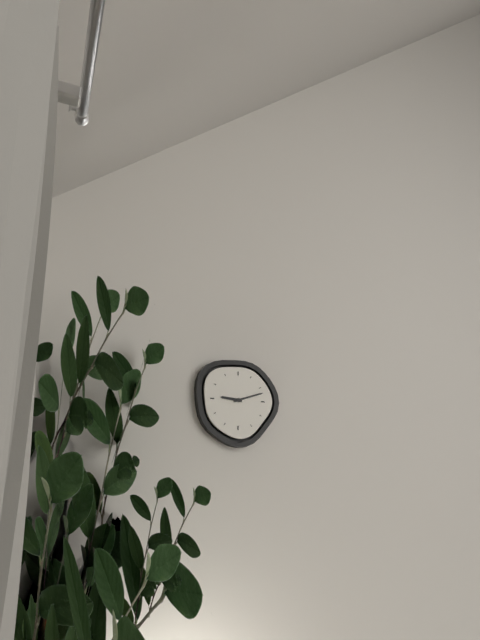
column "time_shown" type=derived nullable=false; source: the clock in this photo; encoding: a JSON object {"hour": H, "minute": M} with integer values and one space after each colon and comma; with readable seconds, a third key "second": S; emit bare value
{"hour": 9, "minute": 12}
